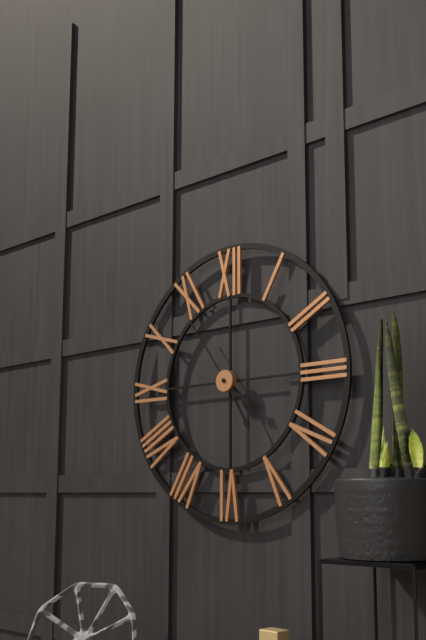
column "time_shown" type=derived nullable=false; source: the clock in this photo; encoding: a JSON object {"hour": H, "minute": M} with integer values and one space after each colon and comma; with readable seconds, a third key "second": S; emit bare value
{"hour": 4, "minute": 25, "second": 54}
